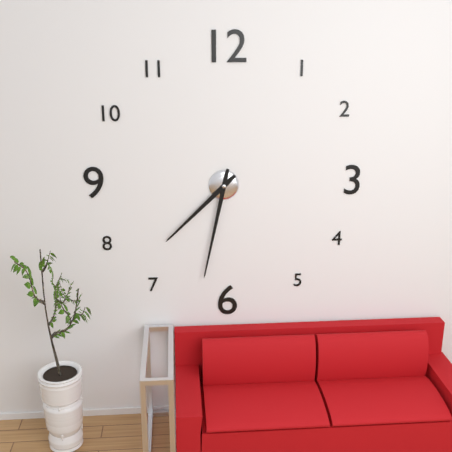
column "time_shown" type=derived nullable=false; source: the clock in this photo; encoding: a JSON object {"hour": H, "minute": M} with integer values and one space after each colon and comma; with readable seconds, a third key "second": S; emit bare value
{"hour": 7, "minute": 32}
